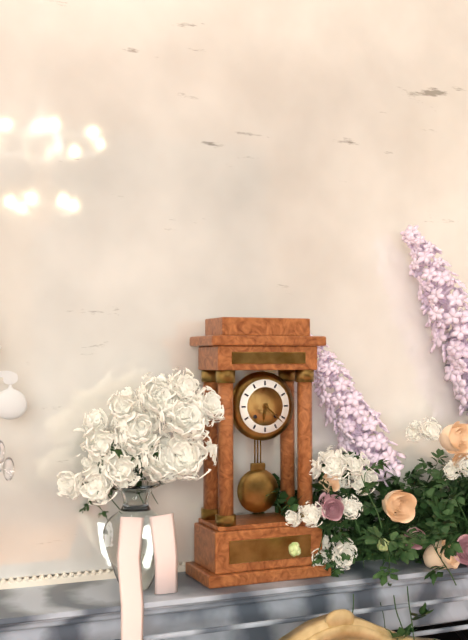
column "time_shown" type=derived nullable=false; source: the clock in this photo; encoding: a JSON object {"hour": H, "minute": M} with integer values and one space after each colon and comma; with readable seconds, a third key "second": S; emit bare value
{"hour": 6, "minute": 22}
